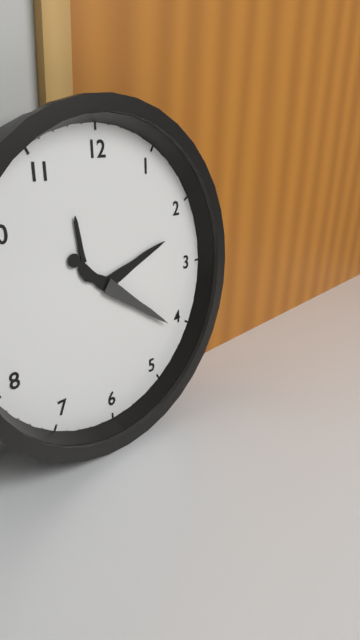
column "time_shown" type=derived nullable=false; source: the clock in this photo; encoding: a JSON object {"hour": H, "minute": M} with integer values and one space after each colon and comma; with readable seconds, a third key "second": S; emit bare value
{"hour": 2, "minute": 21}
